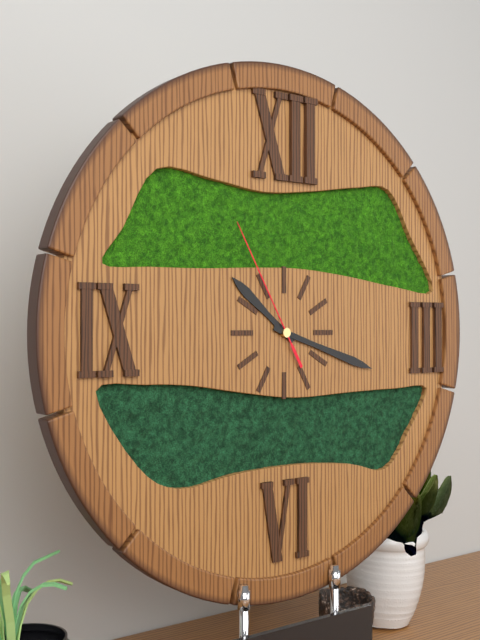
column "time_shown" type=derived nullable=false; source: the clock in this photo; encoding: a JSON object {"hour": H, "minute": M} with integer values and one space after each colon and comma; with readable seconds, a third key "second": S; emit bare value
{"hour": 10, "minute": 18, "second": 55}
